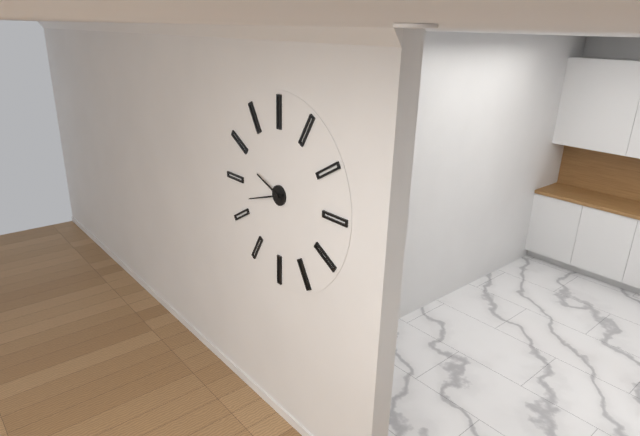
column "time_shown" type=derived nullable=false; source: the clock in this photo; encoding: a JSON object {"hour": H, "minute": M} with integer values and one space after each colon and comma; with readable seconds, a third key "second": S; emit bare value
{"hour": 9, "minute": 42}
